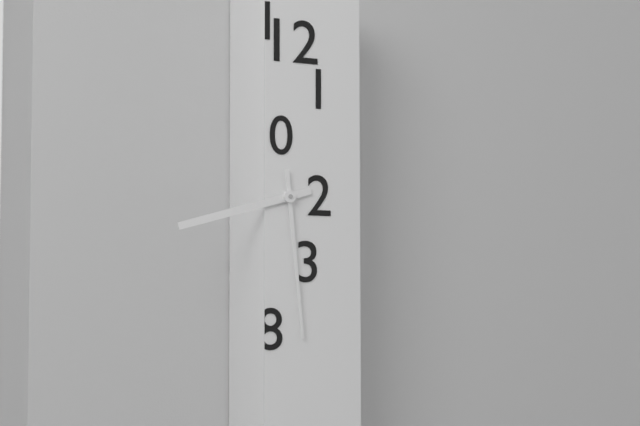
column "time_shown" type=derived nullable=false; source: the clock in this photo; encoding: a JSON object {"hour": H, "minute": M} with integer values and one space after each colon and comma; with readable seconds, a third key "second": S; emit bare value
{"hour": 8, "minute": 29}
